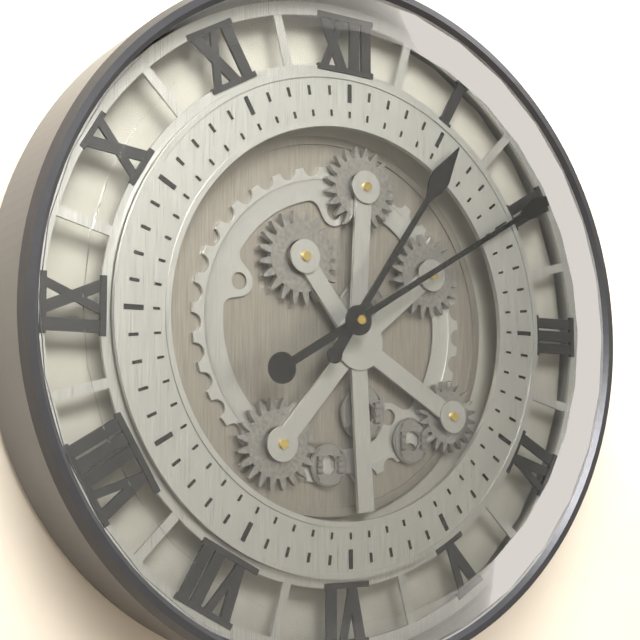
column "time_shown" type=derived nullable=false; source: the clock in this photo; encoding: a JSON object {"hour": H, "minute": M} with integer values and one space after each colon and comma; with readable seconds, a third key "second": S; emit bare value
{"hour": 1, "minute": 10}
